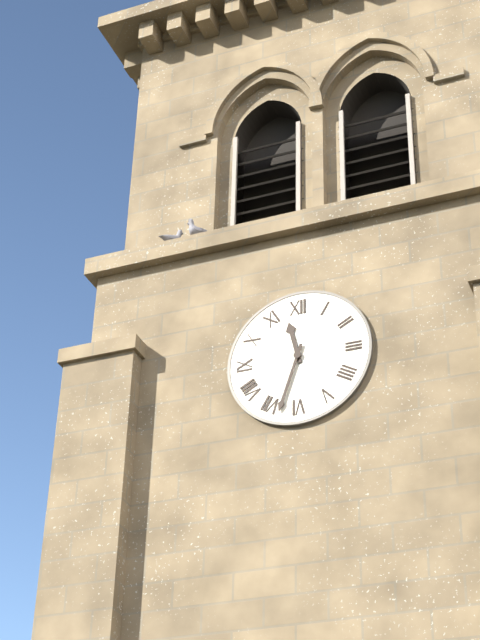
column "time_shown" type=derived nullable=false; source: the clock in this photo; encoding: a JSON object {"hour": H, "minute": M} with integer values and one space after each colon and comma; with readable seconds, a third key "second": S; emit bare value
{"hour": 11, "minute": 33}
